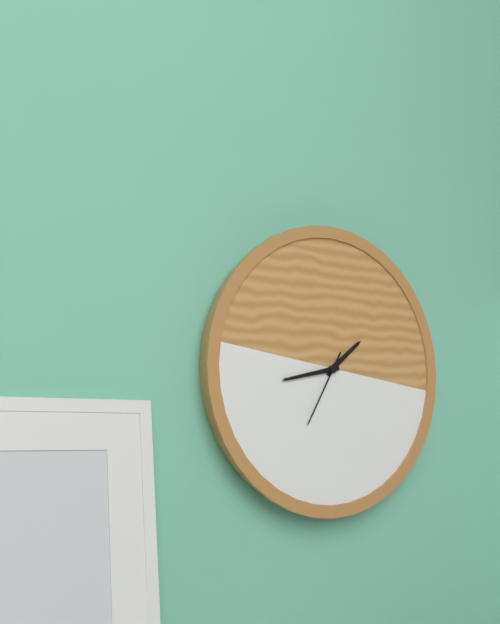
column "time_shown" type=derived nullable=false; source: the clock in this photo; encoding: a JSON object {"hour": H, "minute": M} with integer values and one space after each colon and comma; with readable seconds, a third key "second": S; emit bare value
{"hour": 1, "minute": 43, "second": 35}
